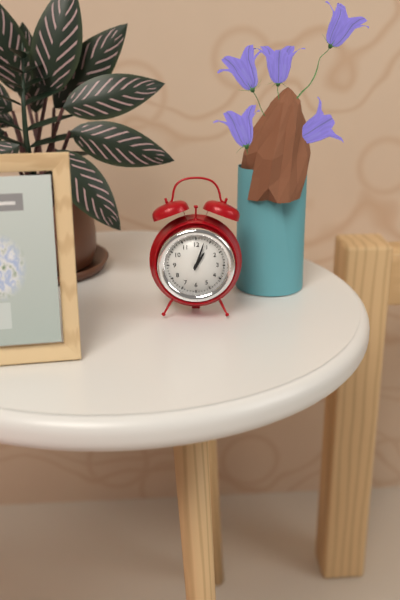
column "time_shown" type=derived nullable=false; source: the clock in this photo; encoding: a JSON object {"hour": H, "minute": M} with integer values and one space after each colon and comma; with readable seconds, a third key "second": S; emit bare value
{"hour": 1, "minute": 3}
